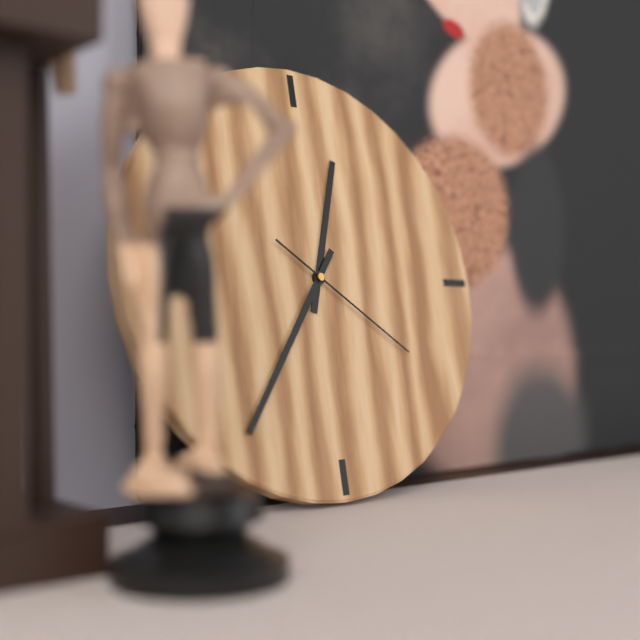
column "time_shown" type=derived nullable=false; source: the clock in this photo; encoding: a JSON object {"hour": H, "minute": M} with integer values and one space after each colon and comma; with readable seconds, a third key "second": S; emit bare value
{"hour": 12, "minute": 36, "second": 21}
